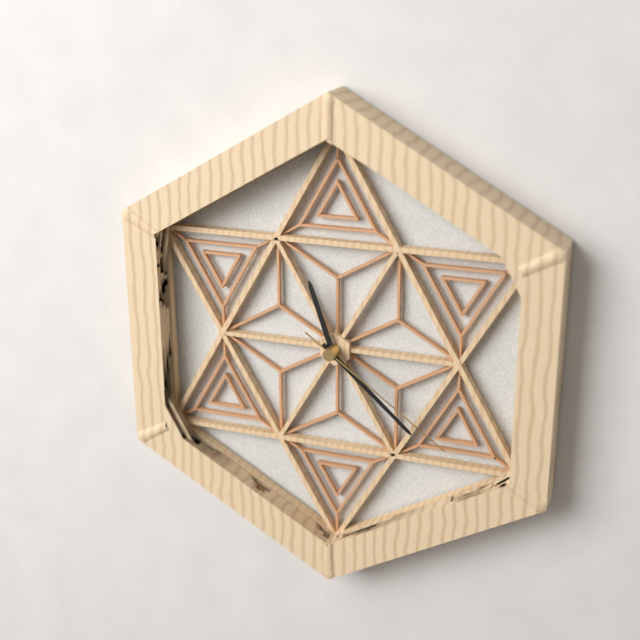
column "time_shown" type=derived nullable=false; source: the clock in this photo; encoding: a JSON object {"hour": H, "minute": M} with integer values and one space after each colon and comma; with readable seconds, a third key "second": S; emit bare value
{"hour": 11, "minute": 22, "second": 21}
